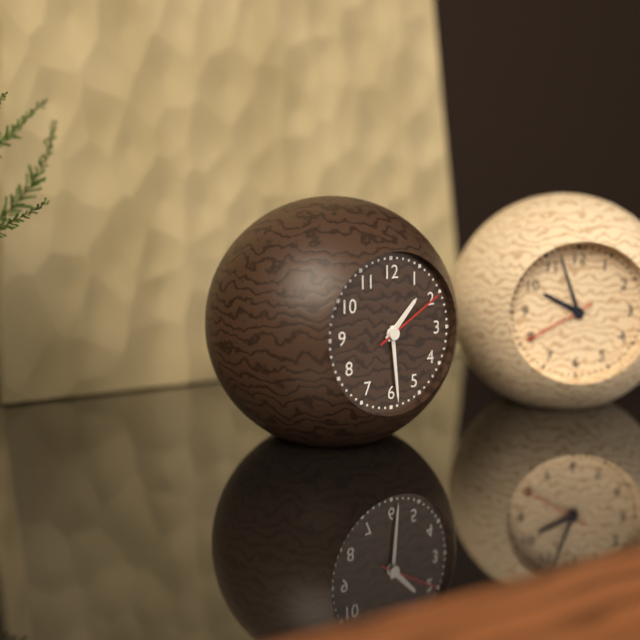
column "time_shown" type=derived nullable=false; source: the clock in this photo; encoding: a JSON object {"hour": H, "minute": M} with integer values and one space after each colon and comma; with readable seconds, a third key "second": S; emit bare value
{"hour": 1, "minute": 29, "second": 10}
